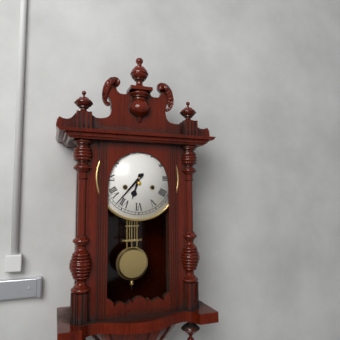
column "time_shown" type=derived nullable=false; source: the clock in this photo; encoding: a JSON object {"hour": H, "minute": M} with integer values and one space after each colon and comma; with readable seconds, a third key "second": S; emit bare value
{"hour": 6, "minute": 37}
